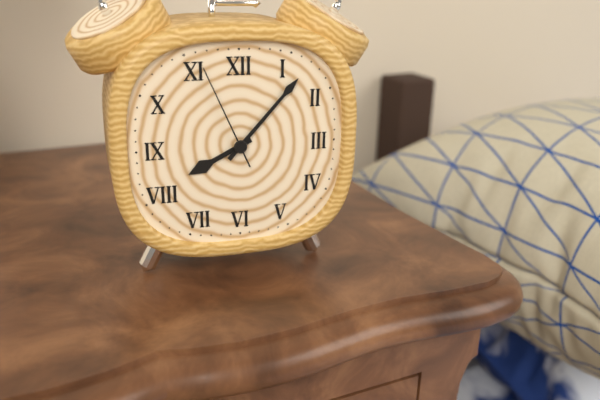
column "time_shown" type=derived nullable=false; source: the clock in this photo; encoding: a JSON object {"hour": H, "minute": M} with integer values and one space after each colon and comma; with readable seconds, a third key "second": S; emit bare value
{"hour": 8, "minute": 7, "second": 56}
